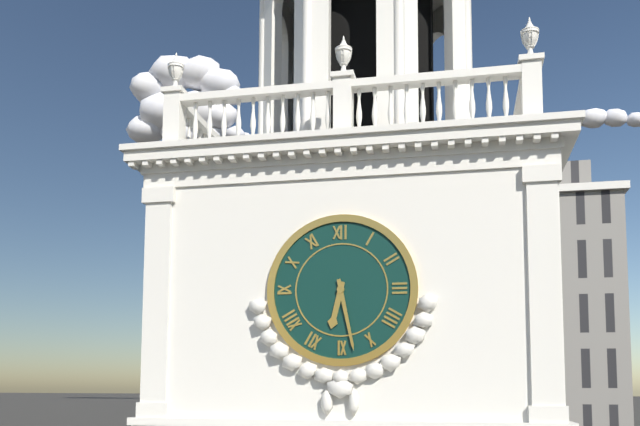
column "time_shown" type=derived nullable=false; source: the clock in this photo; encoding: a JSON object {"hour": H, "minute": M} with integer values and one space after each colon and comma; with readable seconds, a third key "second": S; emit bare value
{"hour": 6, "minute": 28}
